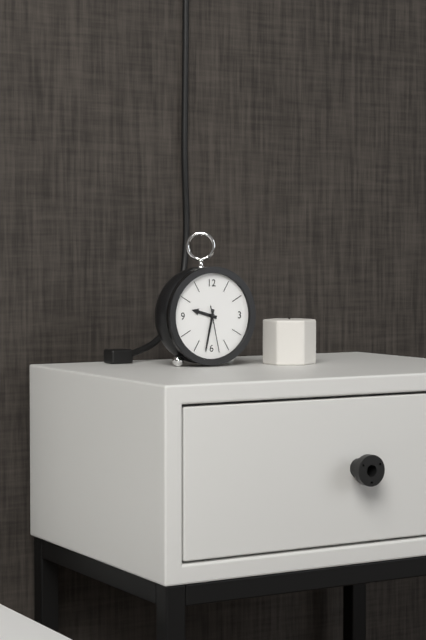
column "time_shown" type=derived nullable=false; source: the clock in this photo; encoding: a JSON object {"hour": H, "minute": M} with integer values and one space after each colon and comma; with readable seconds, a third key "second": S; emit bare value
{"hour": 9, "minute": 32}
